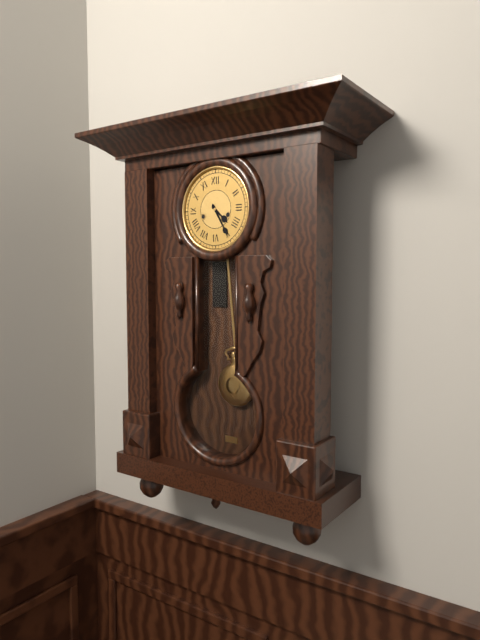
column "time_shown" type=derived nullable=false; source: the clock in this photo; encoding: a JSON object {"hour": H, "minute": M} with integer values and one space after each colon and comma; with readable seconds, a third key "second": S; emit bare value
{"hour": 4, "minute": 25}
